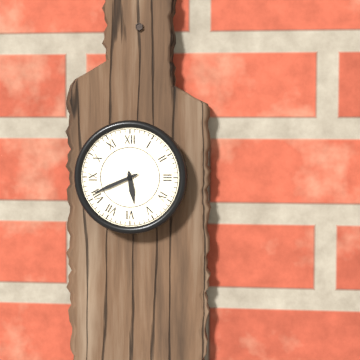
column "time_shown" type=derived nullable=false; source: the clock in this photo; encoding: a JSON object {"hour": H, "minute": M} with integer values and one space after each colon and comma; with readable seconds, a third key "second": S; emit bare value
{"hour": 5, "minute": 41}
